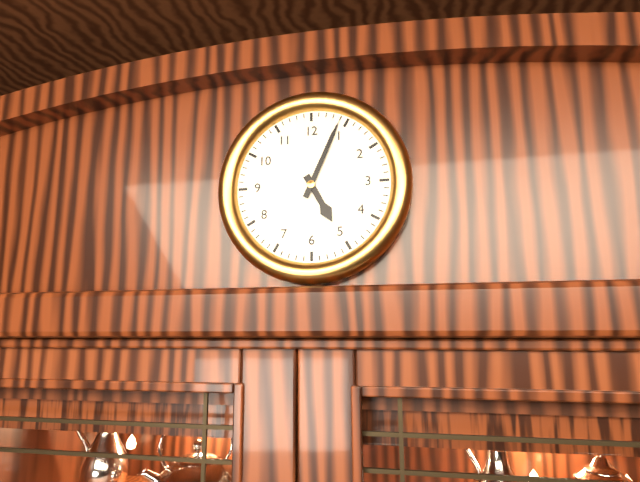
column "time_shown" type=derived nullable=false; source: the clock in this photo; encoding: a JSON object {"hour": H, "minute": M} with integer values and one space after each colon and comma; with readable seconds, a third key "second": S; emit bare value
{"hour": 5, "minute": 4}
